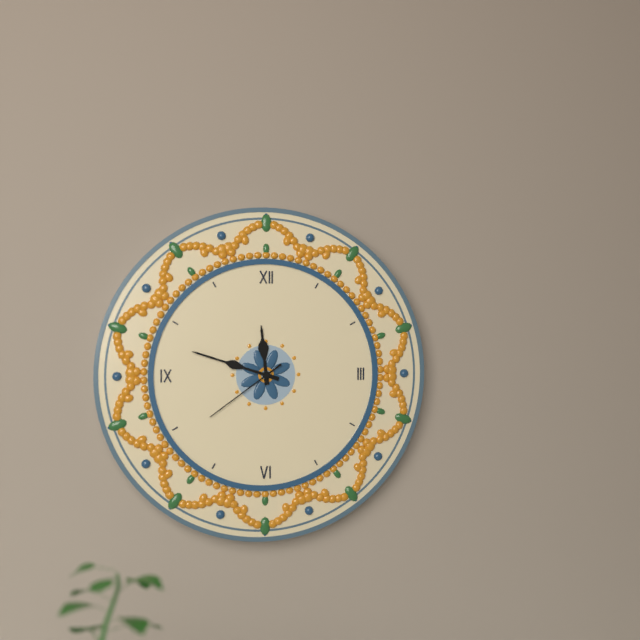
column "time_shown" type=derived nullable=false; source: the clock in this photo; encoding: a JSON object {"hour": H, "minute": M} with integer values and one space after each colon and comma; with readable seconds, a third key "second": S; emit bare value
{"hour": 11, "minute": 48, "second": 39}
